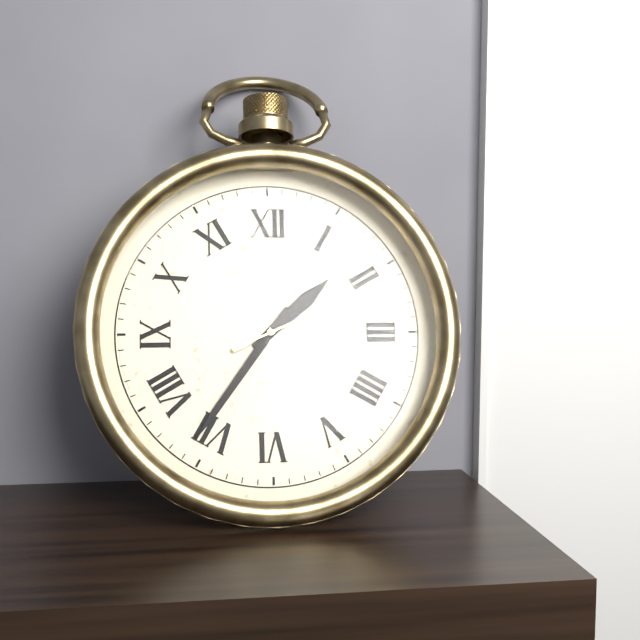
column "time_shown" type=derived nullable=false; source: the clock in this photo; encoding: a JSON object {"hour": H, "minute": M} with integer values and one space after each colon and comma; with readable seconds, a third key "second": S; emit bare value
{"hour": 1, "minute": 36, "second": 11}
